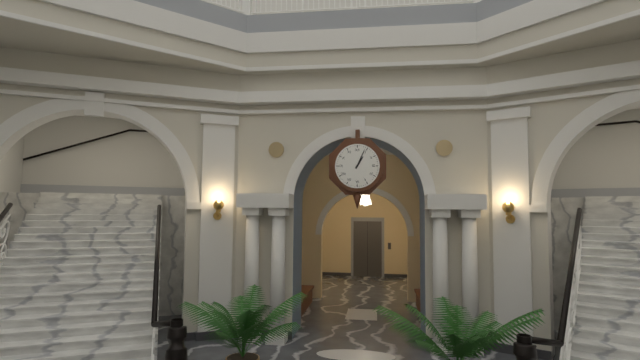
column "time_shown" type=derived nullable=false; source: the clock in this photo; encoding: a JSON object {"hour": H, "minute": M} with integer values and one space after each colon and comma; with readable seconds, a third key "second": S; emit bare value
{"hour": 1, "minute": 4}
